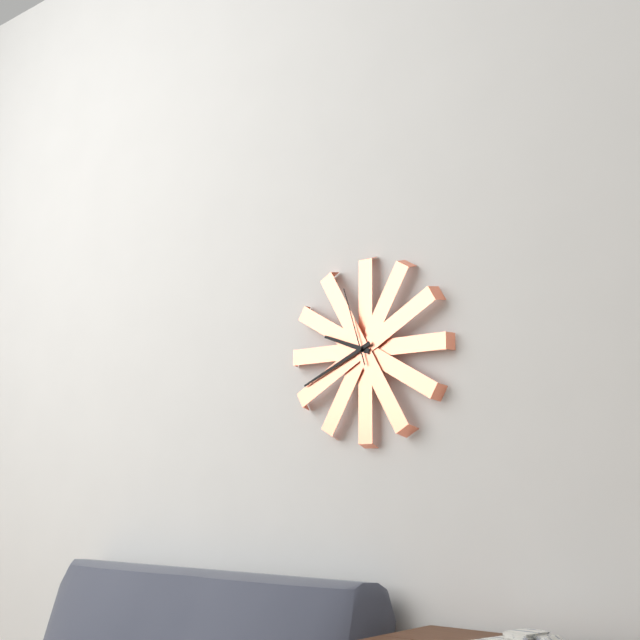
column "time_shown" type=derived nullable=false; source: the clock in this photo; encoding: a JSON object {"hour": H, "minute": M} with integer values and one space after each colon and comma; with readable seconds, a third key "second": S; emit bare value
{"hour": 9, "minute": 41, "second": 57}
